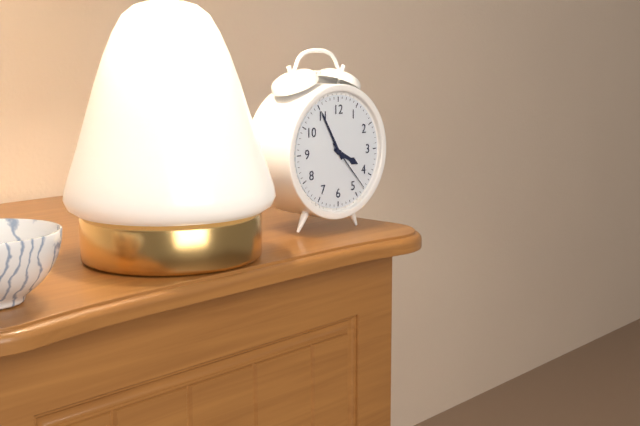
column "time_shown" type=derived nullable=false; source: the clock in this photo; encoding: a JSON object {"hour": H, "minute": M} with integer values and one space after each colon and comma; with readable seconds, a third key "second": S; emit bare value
{"hour": 3, "minute": 55, "second": 23}
